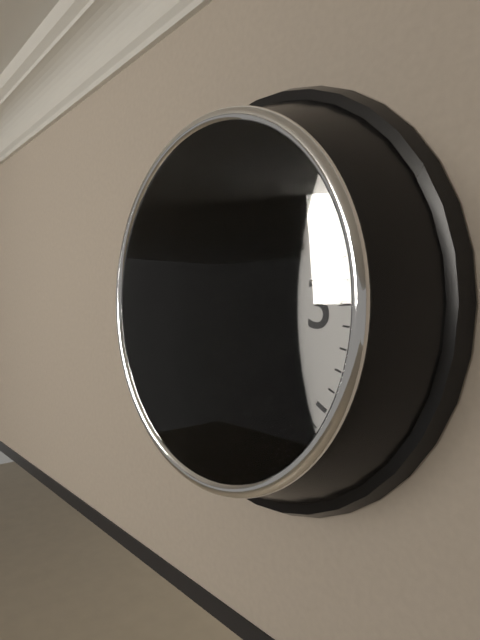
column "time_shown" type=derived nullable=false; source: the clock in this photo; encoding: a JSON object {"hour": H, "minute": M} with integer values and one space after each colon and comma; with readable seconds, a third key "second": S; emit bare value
{"hour": 6, "minute": 20}
